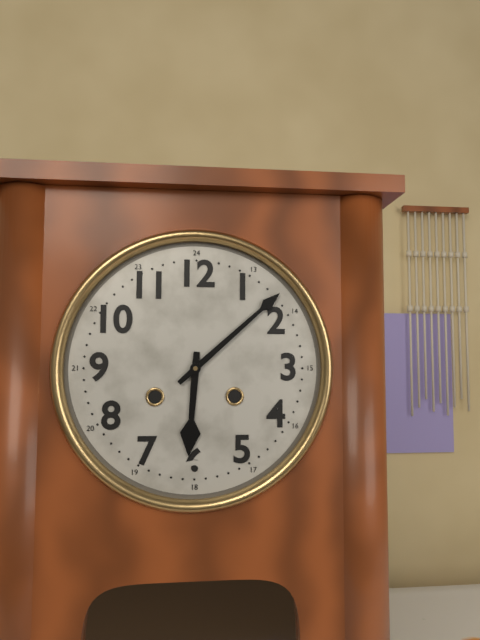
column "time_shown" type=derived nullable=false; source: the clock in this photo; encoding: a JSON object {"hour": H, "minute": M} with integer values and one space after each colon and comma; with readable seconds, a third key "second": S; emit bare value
{"hour": 6, "minute": 8}
